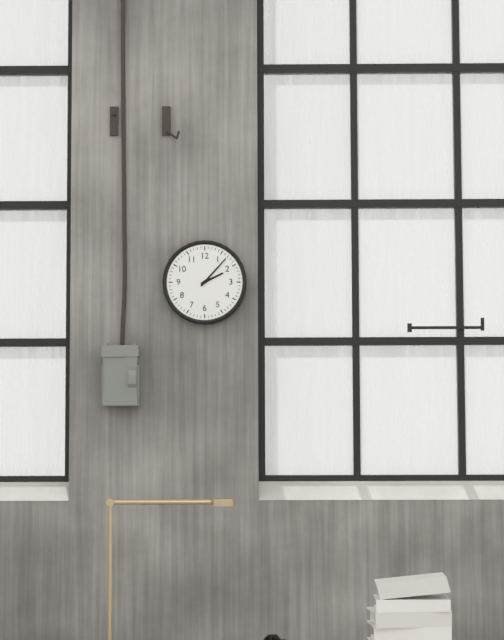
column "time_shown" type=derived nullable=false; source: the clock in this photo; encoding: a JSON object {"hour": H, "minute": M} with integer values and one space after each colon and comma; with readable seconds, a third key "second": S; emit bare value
{"hour": 2, "minute": 7}
